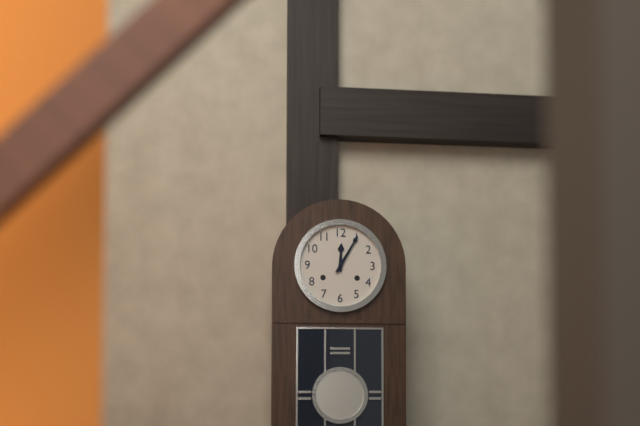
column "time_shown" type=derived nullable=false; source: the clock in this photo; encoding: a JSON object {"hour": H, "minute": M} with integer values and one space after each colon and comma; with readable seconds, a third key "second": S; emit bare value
{"hour": 12, "minute": 5}
